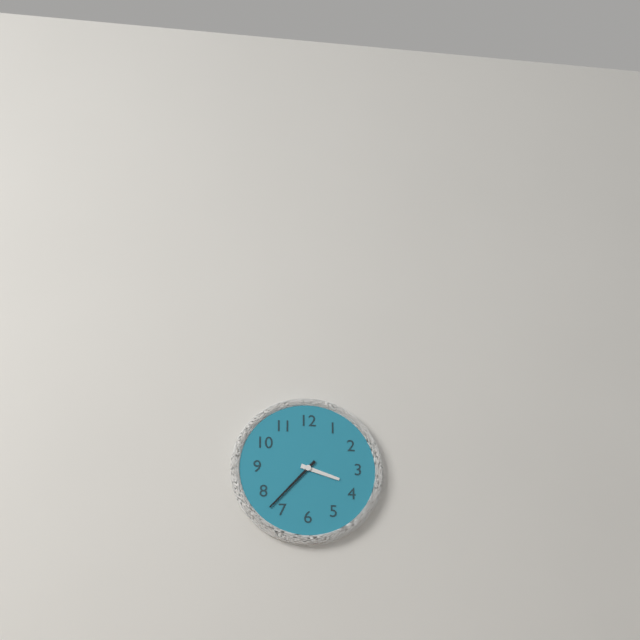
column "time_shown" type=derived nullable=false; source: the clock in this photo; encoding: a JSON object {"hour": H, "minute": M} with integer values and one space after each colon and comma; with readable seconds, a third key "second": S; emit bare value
{"hour": 3, "minute": 37}
